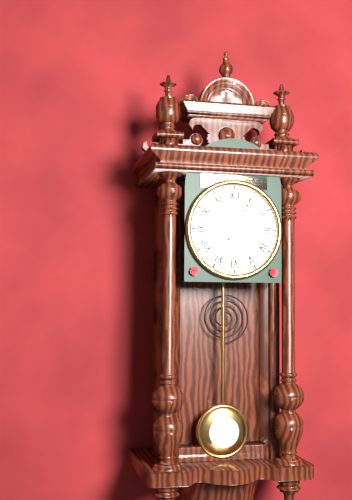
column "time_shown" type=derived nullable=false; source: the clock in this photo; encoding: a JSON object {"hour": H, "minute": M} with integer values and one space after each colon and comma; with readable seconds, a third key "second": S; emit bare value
{"hour": 8, "minute": 5}
